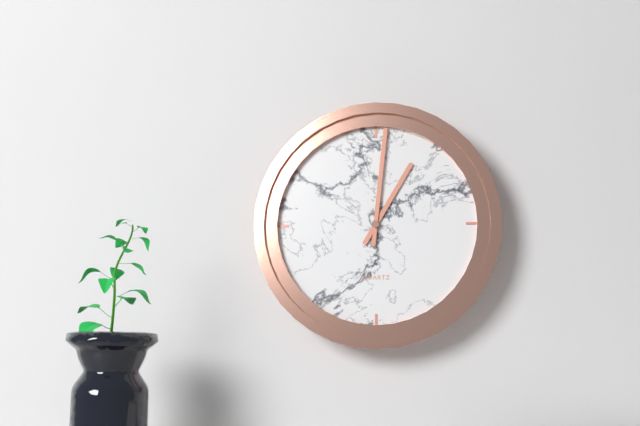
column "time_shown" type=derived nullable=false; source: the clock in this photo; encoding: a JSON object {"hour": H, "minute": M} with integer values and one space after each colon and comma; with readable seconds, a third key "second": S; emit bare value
{"hour": 1, "minute": 1}
